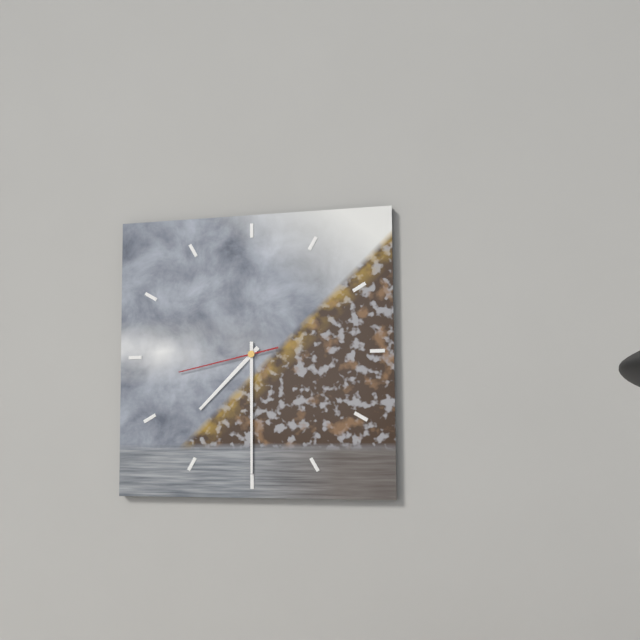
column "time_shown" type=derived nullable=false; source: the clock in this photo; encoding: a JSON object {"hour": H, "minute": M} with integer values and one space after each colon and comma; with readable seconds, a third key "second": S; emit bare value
{"hour": 7, "minute": 30, "second": 43}
